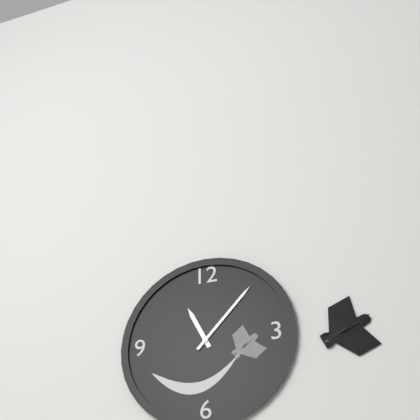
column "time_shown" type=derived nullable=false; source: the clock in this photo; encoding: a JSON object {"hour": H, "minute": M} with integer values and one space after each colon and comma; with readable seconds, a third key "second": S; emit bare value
{"hour": 11, "minute": 7}
